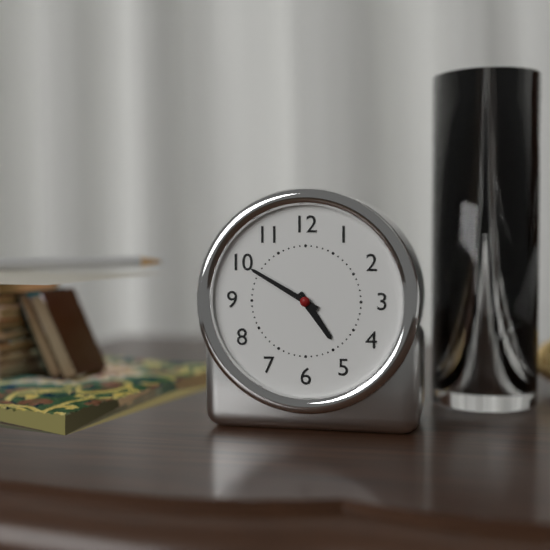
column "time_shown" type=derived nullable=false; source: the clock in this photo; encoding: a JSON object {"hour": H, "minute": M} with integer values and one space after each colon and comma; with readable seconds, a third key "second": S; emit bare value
{"hour": 4, "minute": 50}
